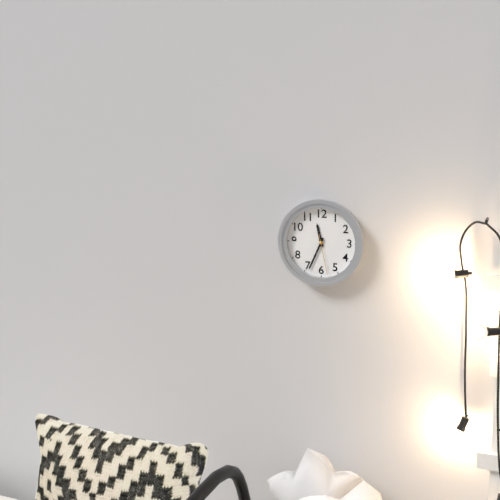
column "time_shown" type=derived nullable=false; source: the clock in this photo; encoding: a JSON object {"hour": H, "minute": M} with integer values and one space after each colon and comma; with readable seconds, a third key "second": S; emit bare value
{"hour": 11, "minute": 34}
